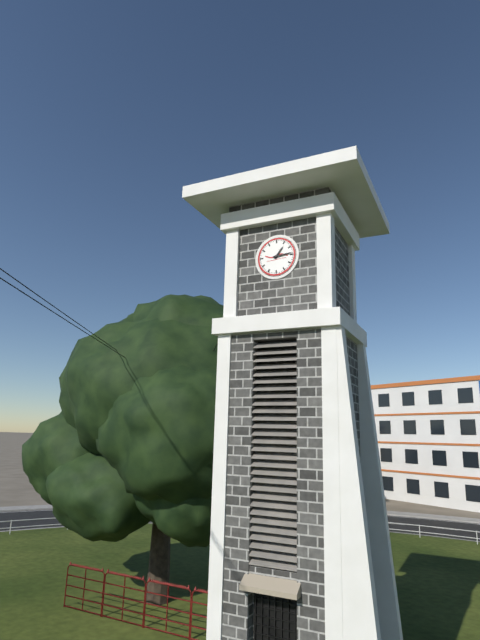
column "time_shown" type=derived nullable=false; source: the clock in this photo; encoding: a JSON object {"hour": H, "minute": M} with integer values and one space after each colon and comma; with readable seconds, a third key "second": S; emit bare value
{"hour": 1, "minute": 14}
